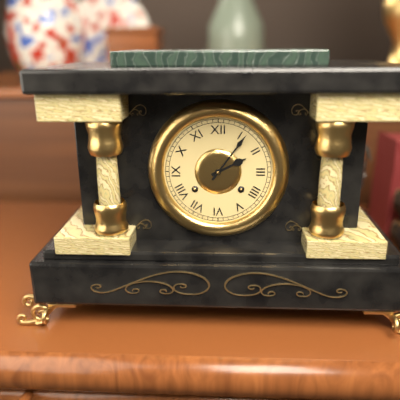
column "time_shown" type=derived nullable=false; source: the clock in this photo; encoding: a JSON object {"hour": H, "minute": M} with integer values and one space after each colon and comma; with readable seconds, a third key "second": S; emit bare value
{"hour": 2, "minute": 6}
